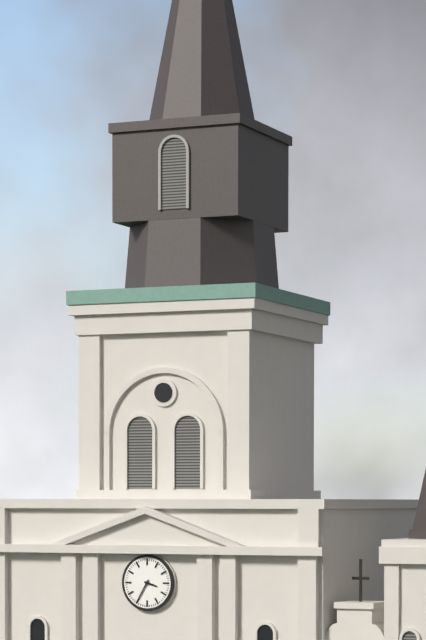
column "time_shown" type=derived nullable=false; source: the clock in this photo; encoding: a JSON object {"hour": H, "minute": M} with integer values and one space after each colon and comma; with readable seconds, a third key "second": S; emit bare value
{"hour": 3, "minute": 35}
